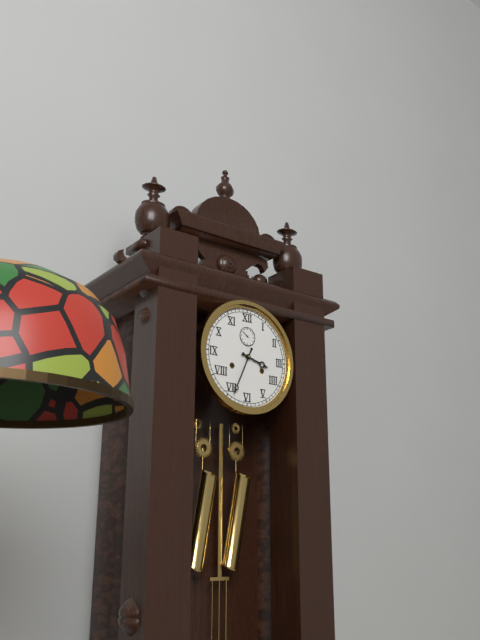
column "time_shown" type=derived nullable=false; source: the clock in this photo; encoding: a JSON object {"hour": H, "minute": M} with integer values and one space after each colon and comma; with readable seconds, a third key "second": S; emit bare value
{"hour": 3, "minute": 34}
